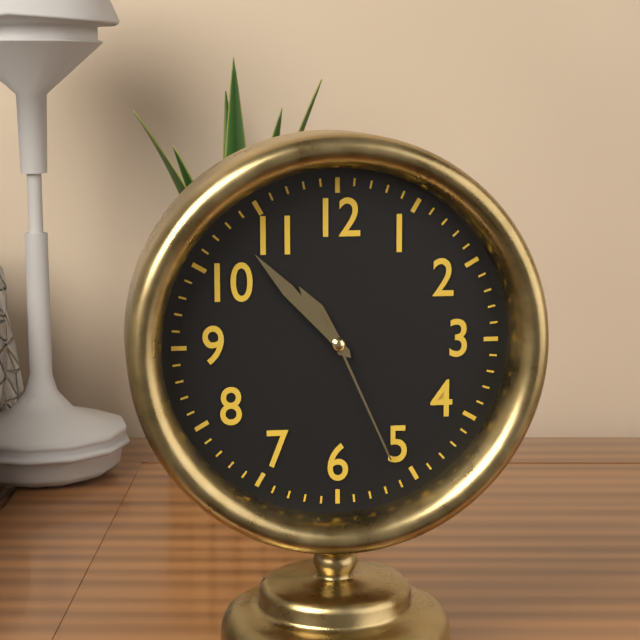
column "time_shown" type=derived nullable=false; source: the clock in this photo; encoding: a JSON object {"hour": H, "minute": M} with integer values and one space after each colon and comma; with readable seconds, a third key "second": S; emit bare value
{"hour": 10, "minute": 53, "second": 26}
